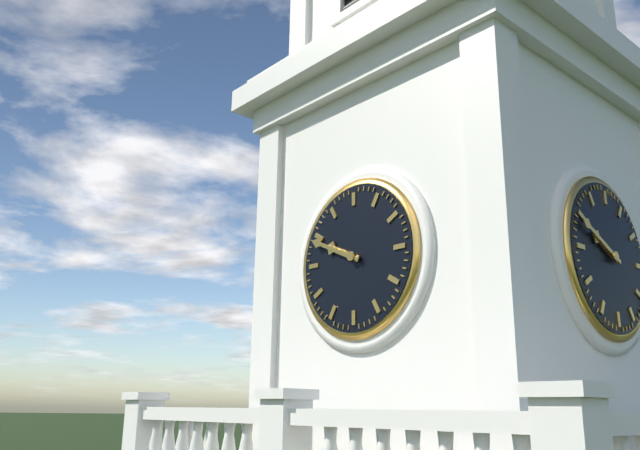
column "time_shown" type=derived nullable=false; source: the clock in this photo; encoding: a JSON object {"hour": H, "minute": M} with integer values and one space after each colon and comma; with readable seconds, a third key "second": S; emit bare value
{"hour": 9, "minute": 49}
